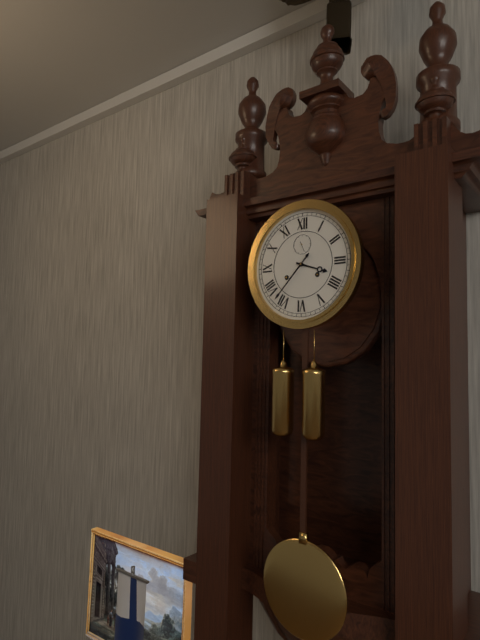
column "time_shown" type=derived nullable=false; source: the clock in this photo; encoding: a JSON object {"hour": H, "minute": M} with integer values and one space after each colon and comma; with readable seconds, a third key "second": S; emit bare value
{"hour": 3, "minute": 37}
